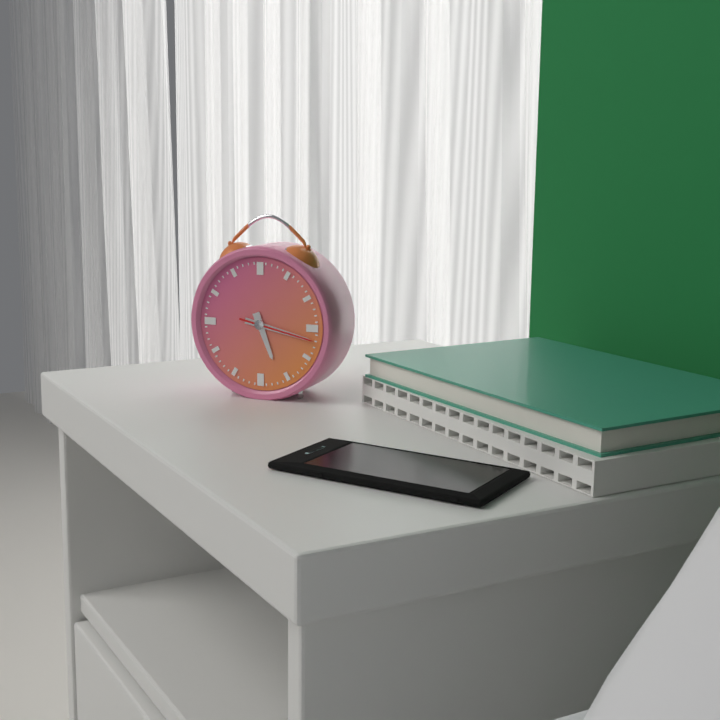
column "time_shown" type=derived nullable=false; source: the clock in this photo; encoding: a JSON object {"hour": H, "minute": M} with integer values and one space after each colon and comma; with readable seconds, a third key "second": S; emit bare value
{"hour": 5, "minute": 17, "second": 17}
